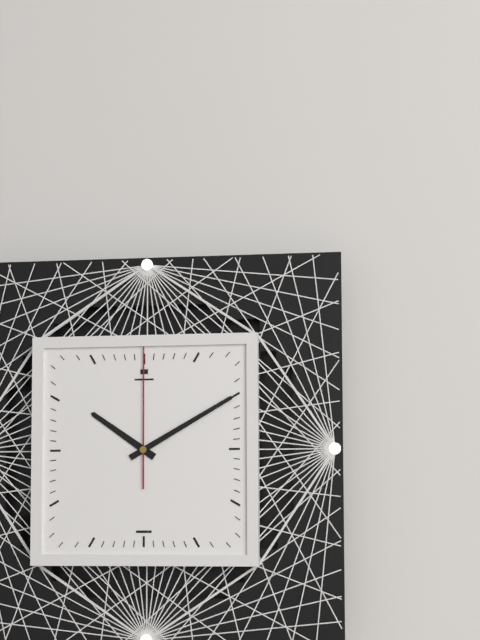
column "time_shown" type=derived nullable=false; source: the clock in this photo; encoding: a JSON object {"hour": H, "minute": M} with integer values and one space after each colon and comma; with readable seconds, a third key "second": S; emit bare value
{"hour": 10, "minute": 10, "second": 0}
